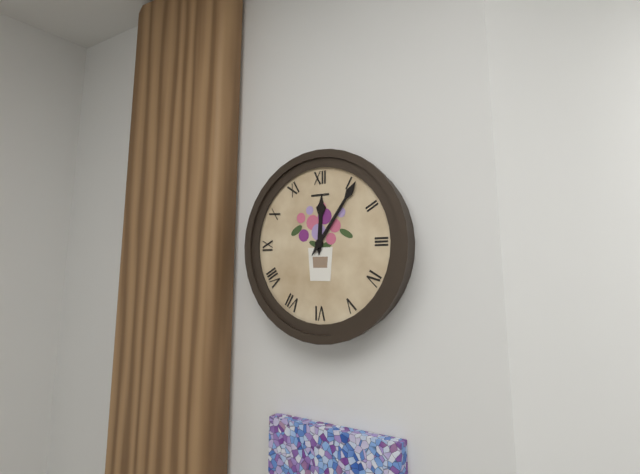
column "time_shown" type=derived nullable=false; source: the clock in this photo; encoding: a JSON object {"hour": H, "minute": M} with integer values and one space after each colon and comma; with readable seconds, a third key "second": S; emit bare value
{"hour": 12, "minute": 6}
